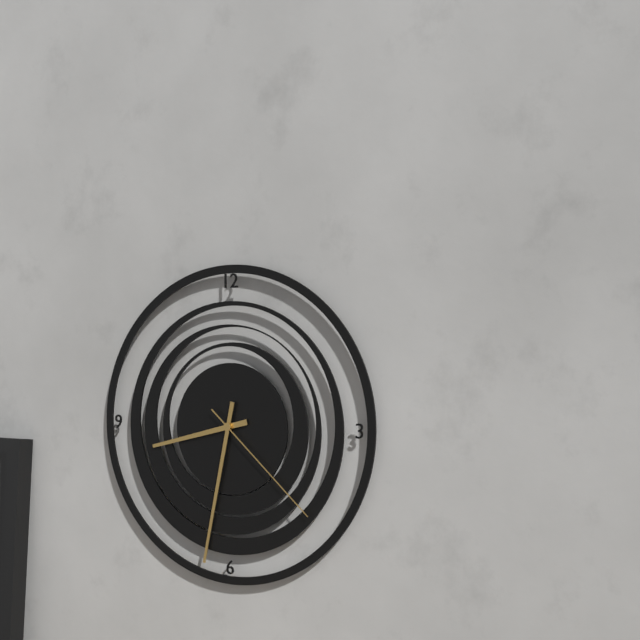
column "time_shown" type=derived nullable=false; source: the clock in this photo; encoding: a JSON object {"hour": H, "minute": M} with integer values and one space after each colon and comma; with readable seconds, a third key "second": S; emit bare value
{"hour": 8, "minute": 32, "second": 22}
